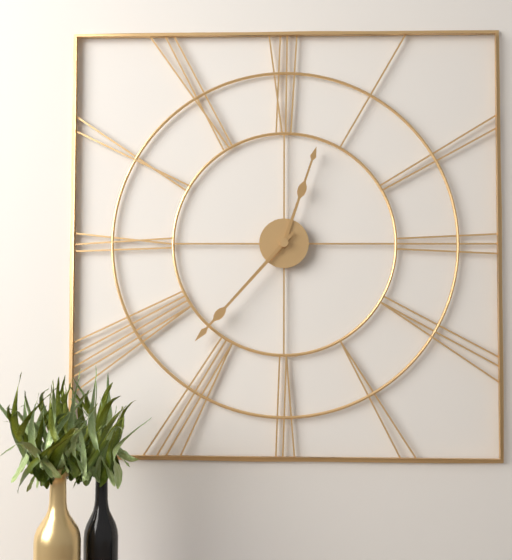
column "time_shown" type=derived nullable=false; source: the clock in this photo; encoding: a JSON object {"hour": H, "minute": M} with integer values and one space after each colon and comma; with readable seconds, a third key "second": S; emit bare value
{"hour": 12, "minute": 37}
